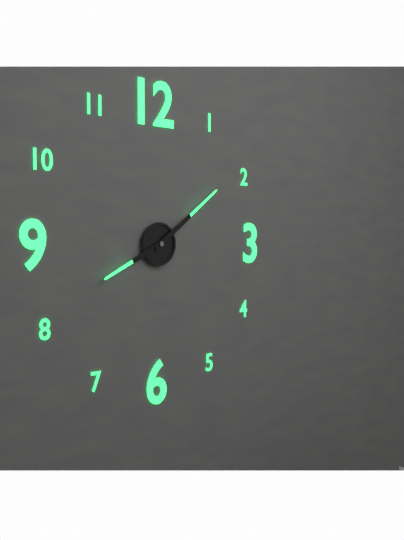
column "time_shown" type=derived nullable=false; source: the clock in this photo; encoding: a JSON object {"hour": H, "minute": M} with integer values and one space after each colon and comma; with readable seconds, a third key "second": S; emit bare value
{"hour": 8, "minute": 9}
